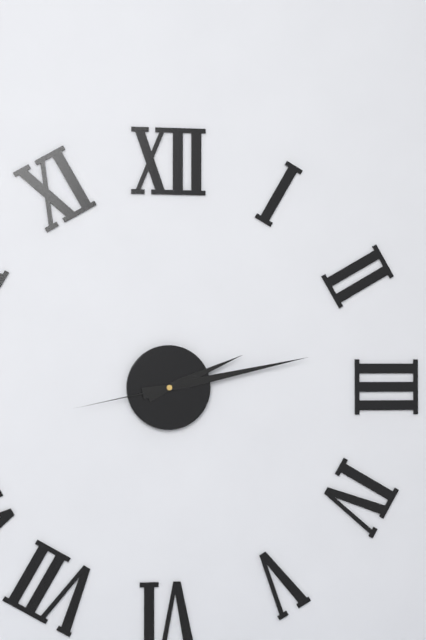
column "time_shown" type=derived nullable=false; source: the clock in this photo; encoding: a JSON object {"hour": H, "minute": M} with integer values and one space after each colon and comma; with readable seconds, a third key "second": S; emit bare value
{"hour": 2, "minute": 13, "second": 43}
